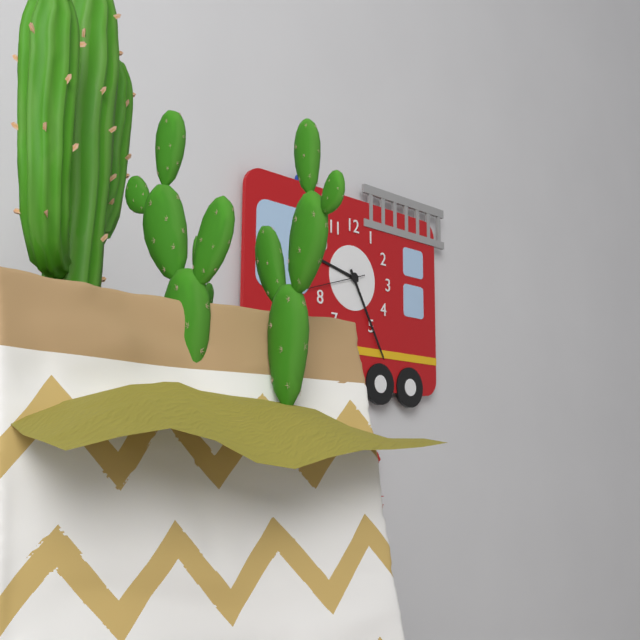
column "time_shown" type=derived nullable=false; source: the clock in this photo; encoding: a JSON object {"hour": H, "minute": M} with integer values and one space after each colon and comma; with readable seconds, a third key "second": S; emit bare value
{"hour": 9, "minute": 25, "second": 42}
